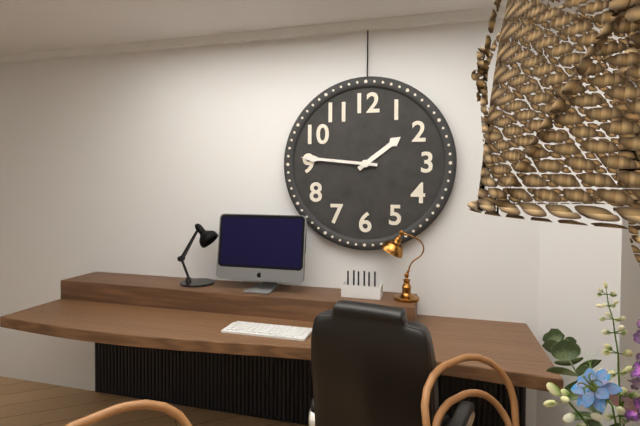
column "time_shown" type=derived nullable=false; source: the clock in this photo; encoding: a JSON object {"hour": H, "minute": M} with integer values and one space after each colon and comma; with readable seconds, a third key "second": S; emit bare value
{"hour": 1, "minute": 46}
